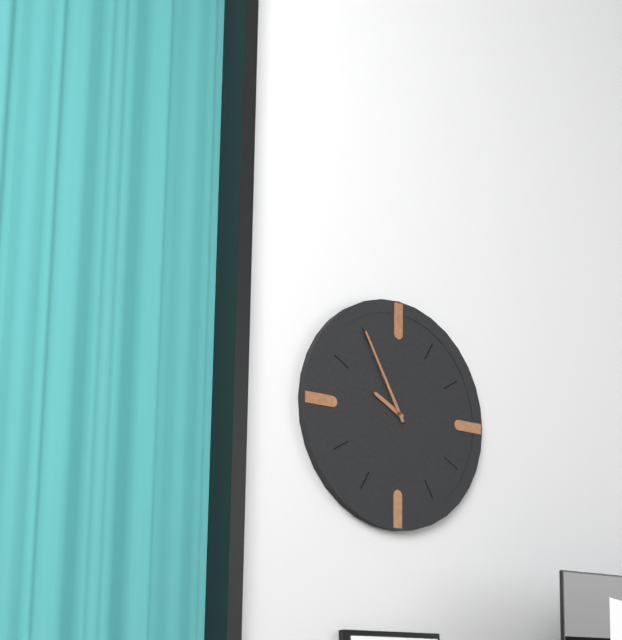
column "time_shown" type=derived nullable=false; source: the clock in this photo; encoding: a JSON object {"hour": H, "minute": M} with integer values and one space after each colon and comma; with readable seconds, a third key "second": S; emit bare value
{"hour": 9, "minute": 55}
